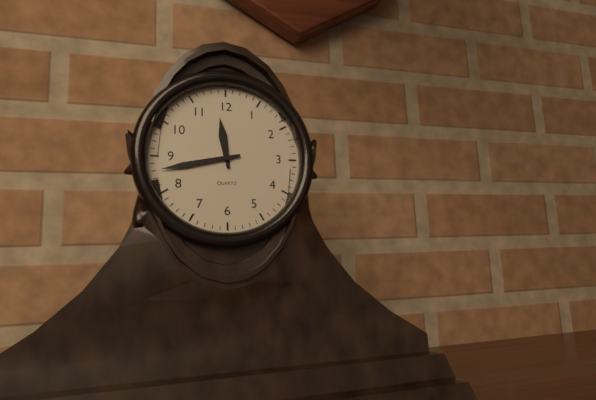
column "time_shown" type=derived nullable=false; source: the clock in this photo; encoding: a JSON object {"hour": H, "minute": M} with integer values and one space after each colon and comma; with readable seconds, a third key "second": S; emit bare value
{"hour": 11, "minute": 43}
